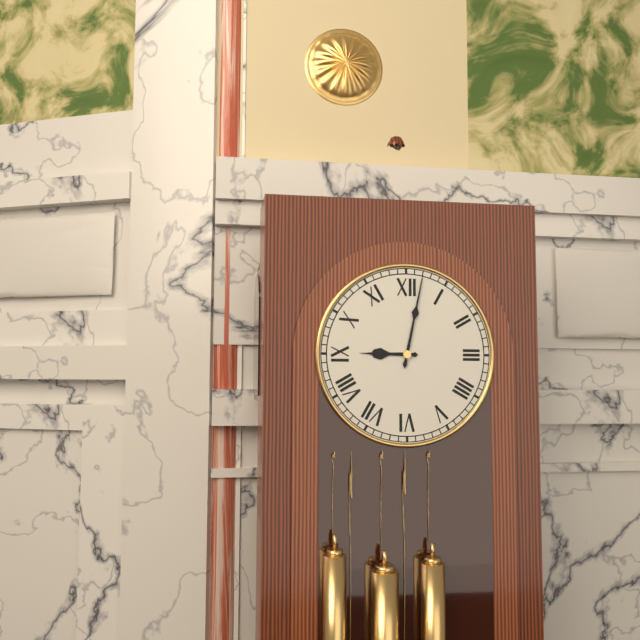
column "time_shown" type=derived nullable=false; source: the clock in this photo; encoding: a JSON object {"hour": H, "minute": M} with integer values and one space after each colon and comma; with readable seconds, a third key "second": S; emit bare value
{"hour": 9, "minute": 2}
